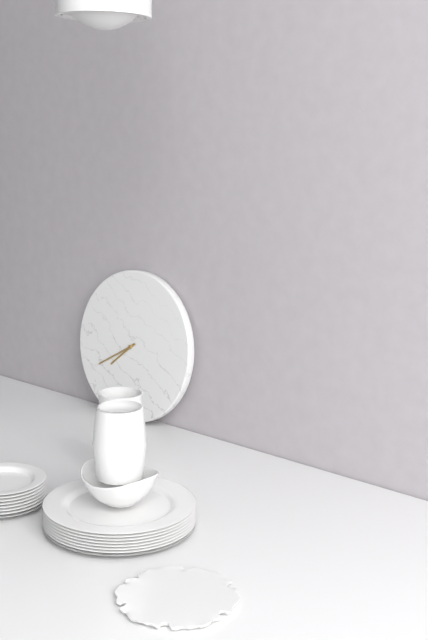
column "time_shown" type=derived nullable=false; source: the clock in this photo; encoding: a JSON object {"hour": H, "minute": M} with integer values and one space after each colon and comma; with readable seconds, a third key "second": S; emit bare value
{"hour": 7, "minute": 40}
